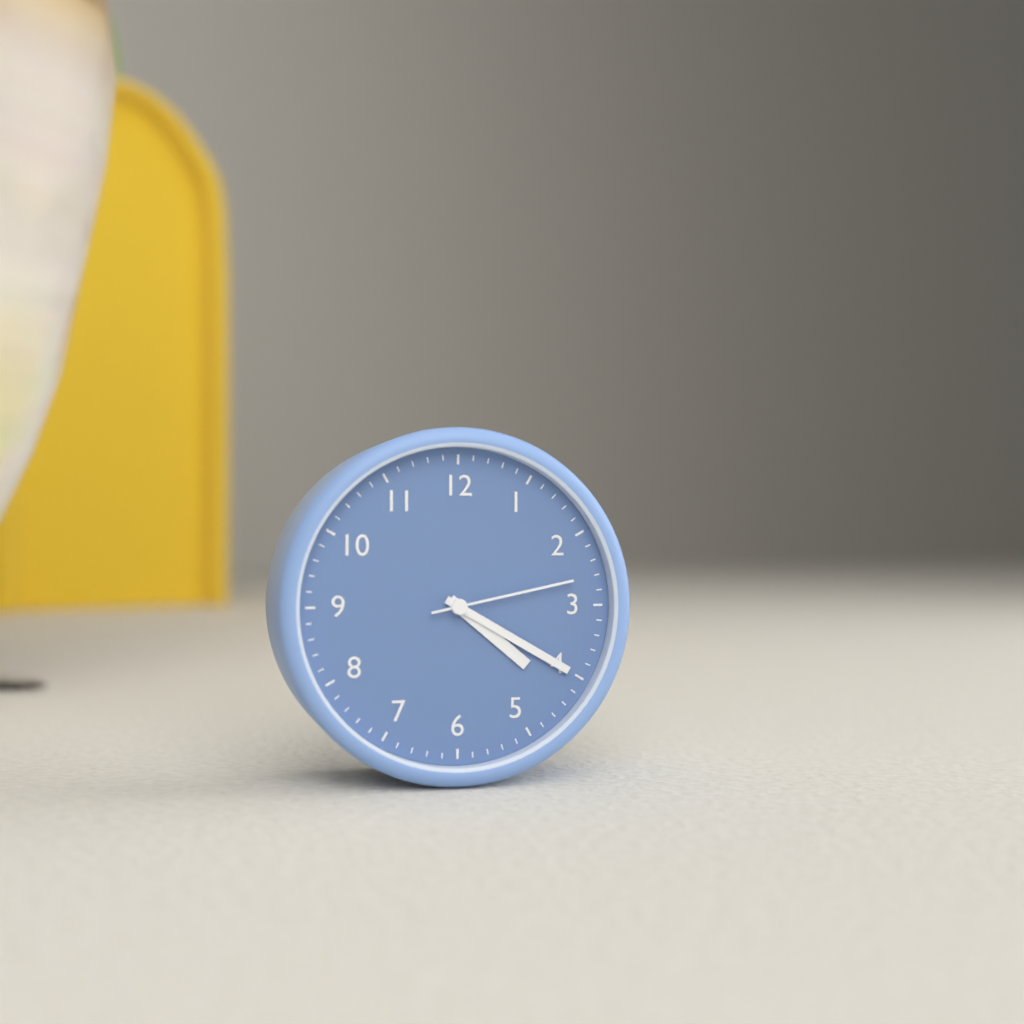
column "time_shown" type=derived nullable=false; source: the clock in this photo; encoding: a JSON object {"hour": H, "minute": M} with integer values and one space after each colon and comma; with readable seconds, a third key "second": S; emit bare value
{"hour": 4, "minute": 20, "second": 13}
